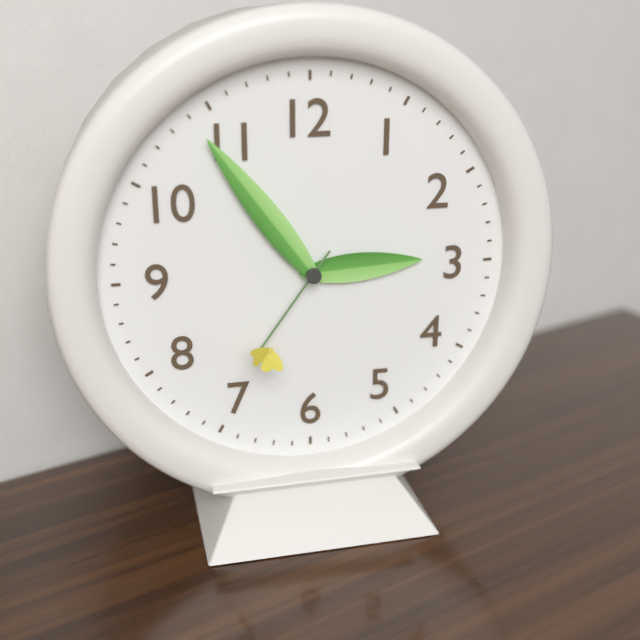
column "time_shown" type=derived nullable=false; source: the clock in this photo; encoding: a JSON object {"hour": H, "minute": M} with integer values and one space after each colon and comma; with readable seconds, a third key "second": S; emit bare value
{"hour": 2, "minute": 54, "second": 36}
